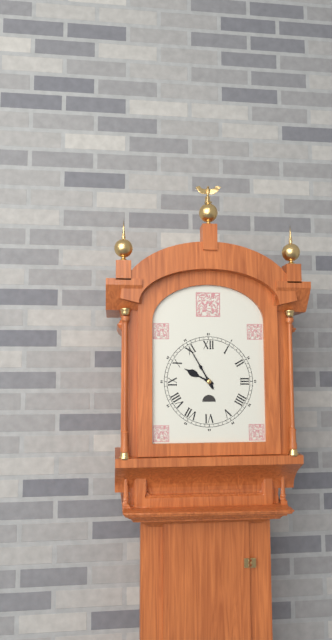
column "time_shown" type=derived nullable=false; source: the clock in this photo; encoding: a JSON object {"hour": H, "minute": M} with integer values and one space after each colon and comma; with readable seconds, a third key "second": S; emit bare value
{"hour": 9, "minute": 55}
